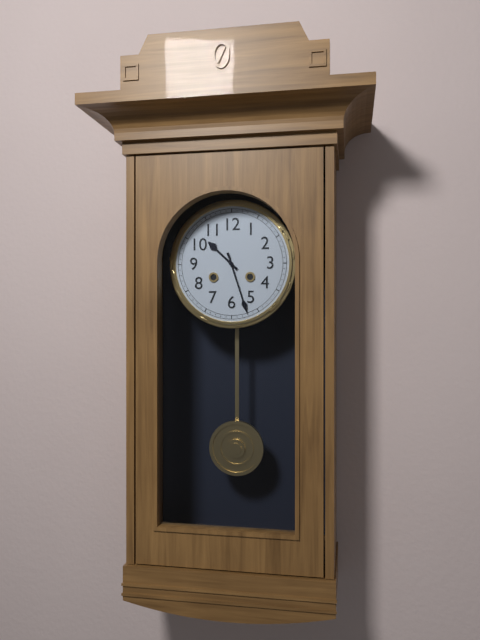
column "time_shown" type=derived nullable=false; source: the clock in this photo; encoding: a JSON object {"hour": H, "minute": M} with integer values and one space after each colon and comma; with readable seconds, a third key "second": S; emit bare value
{"hour": 10, "minute": 27}
